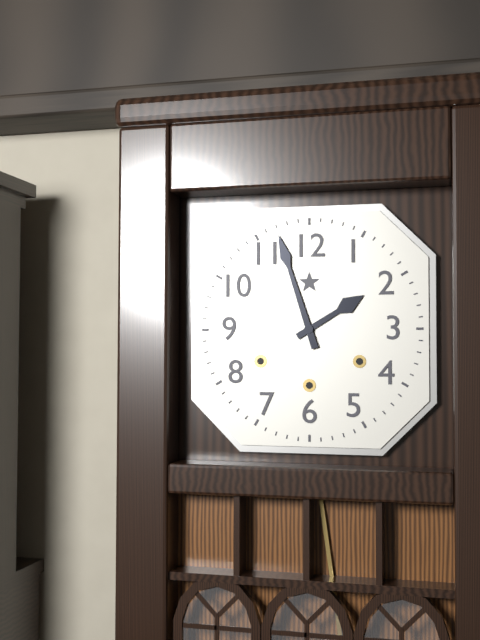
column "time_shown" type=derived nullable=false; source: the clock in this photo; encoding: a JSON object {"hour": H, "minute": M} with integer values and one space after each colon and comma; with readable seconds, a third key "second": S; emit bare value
{"hour": 1, "minute": 57}
